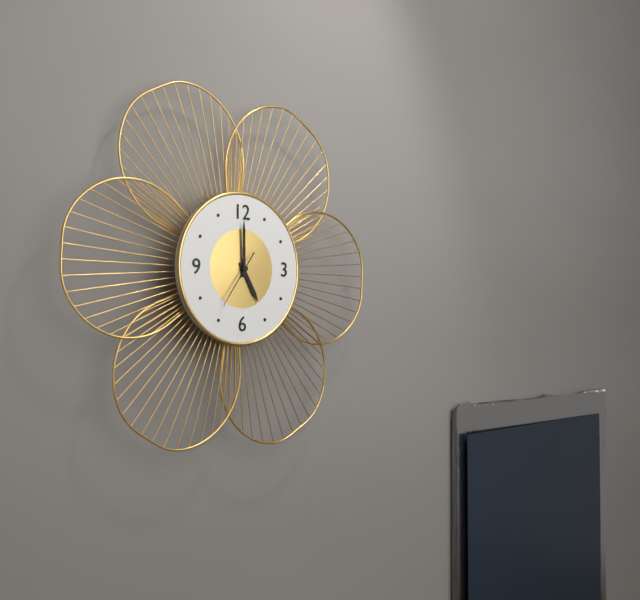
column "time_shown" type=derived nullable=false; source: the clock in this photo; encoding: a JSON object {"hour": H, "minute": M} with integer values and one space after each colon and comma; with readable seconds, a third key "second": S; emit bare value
{"hour": 5, "minute": 0, "second": 36}
